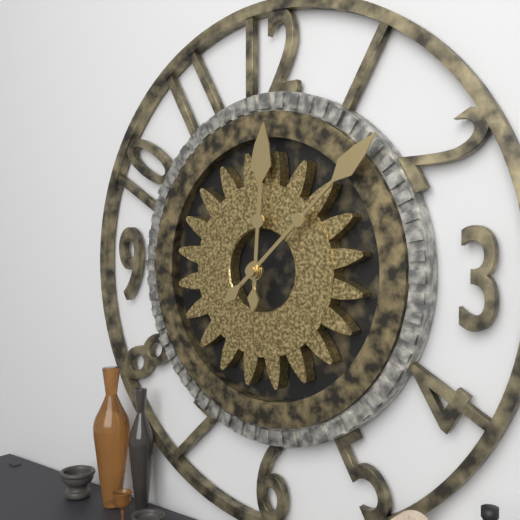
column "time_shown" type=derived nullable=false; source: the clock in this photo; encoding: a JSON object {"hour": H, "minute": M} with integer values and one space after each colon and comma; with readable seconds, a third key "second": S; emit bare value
{"hour": 12, "minute": 8}
